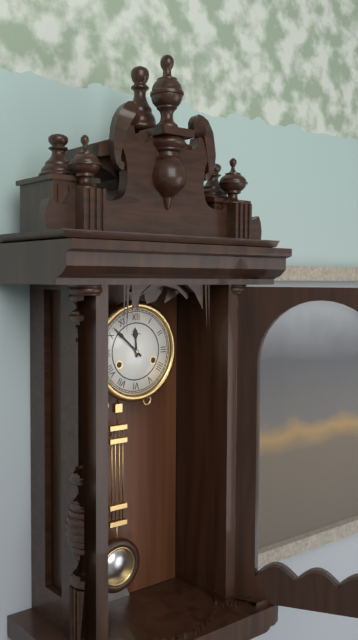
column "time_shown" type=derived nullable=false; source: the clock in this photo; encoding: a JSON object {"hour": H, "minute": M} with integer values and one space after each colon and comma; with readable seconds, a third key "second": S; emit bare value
{"hour": 11, "minute": 52}
